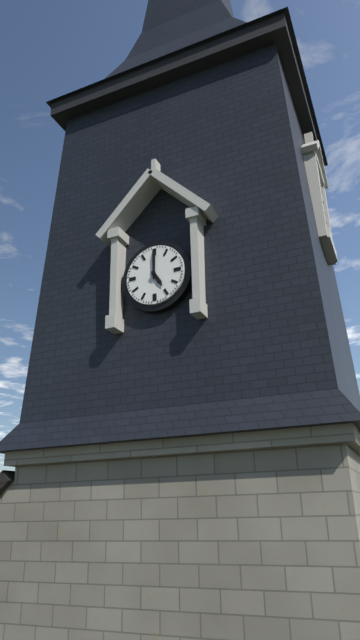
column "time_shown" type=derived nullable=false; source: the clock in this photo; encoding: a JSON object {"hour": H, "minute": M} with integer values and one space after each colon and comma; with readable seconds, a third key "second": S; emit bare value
{"hour": 5, "minute": 0}
